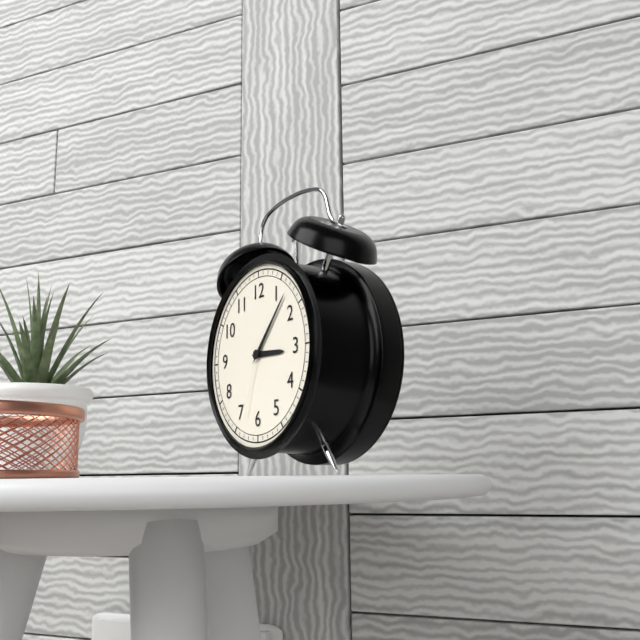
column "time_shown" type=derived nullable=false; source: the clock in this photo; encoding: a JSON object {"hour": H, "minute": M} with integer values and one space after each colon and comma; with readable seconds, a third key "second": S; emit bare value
{"hour": 3, "minute": 7, "second": 33}
